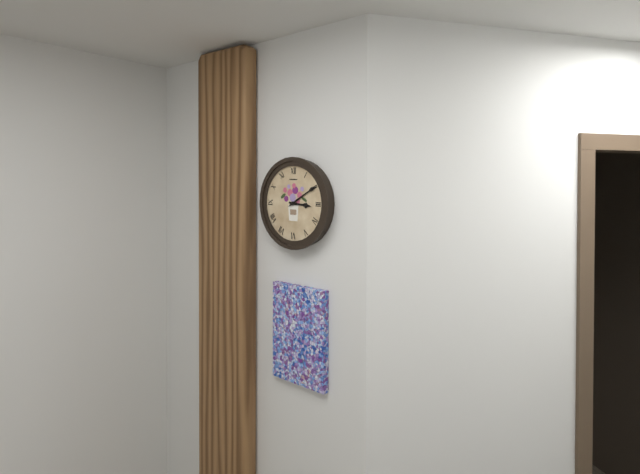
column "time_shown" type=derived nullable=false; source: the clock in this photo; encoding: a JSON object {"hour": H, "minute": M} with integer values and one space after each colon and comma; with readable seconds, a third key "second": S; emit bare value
{"hour": 3, "minute": 10}
